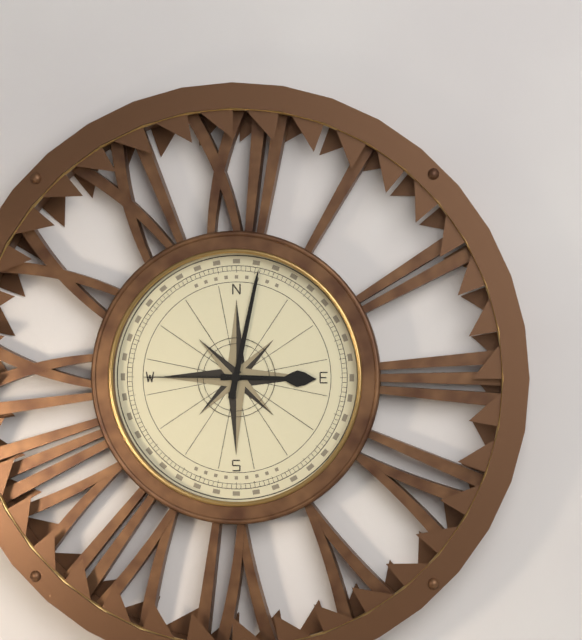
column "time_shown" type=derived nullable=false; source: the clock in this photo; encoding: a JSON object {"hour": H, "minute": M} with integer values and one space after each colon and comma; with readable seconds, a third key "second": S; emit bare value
{"hour": 3, "minute": 2, "second": 45}
